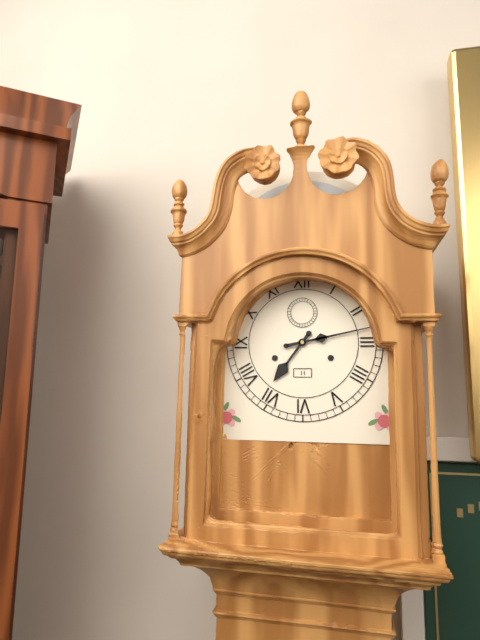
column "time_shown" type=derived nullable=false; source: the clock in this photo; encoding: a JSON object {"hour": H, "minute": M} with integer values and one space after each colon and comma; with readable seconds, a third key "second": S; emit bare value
{"hour": 7, "minute": 13}
